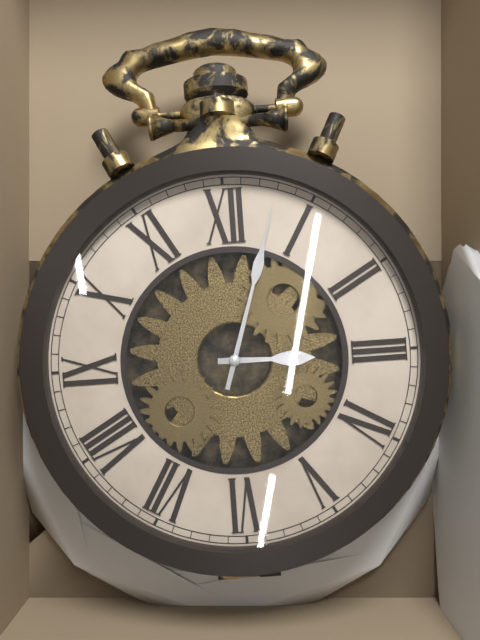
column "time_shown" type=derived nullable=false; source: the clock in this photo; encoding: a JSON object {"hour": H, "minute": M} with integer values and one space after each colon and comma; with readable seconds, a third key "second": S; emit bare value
{"hour": 3, "minute": 3}
